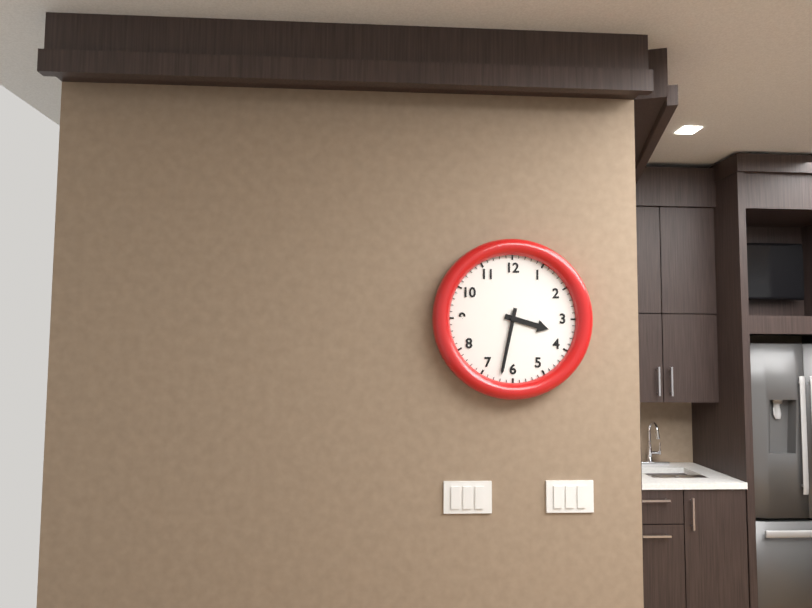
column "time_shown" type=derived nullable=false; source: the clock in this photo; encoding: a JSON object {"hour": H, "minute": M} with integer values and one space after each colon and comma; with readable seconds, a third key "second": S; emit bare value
{"hour": 3, "minute": 32}
